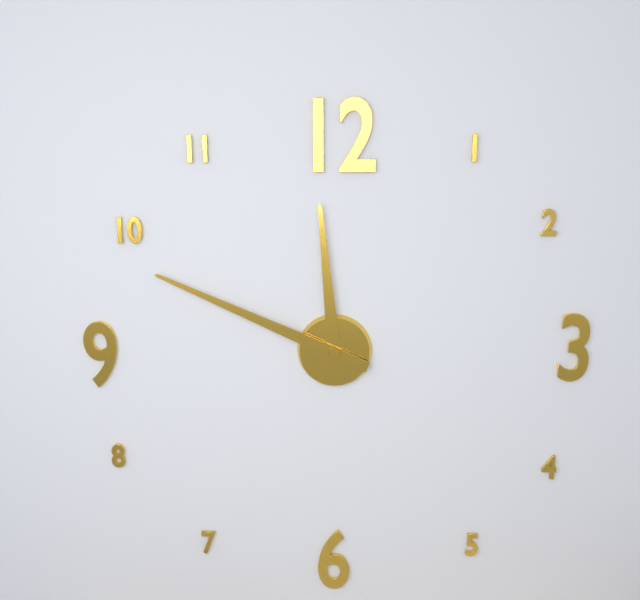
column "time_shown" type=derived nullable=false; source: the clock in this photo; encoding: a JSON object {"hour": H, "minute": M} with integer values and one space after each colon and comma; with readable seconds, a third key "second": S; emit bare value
{"hour": 11, "minute": 49}
